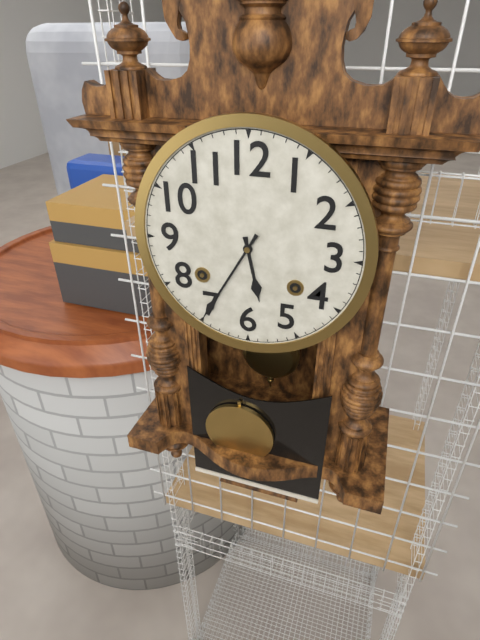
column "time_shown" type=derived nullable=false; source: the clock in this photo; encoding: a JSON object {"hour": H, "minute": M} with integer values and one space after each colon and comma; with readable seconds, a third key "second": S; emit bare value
{"hour": 5, "minute": 35}
